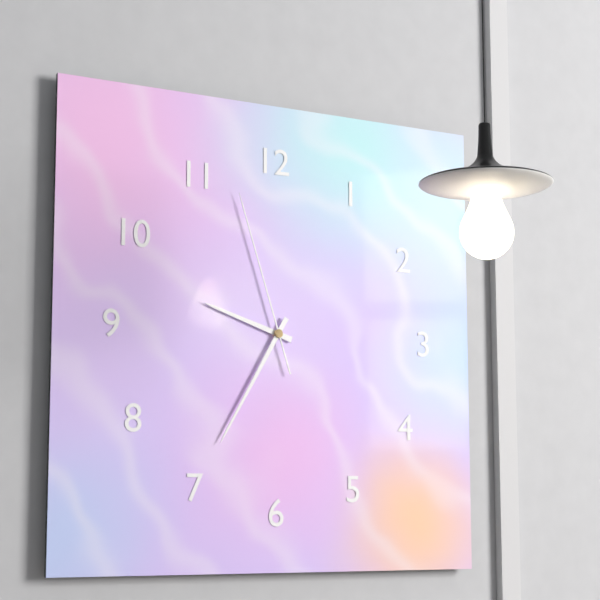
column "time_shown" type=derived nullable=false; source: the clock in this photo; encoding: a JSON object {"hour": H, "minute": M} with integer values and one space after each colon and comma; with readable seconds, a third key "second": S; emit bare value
{"hour": 9, "minute": 35, "second": 57}
